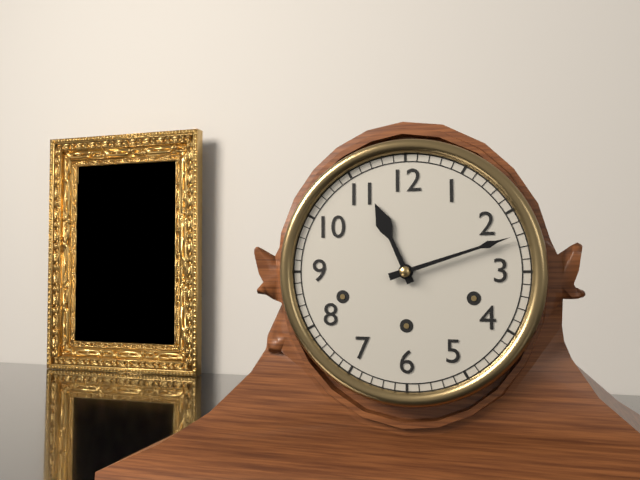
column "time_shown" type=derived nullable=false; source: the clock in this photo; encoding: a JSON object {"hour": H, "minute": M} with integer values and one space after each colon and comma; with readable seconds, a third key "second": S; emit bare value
{"hour": 11, "minute": 12}
